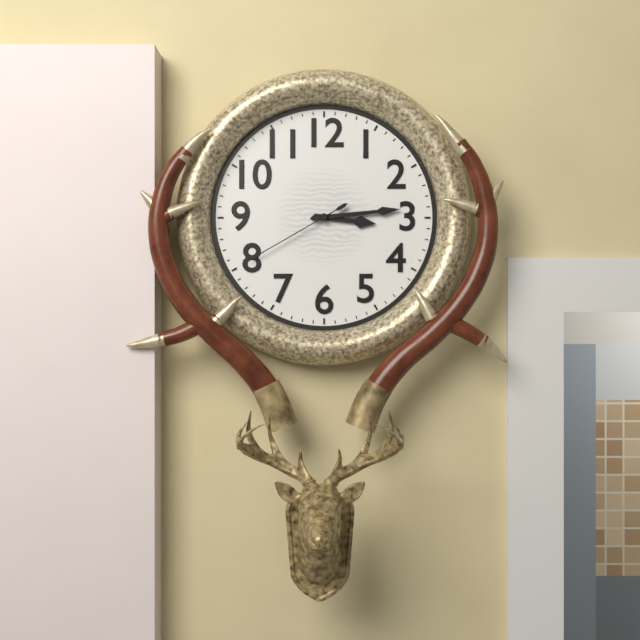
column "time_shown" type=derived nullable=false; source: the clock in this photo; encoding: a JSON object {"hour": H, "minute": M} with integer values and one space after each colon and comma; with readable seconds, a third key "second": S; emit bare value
{"hour": 3, "minute": 14, "second": 40}
